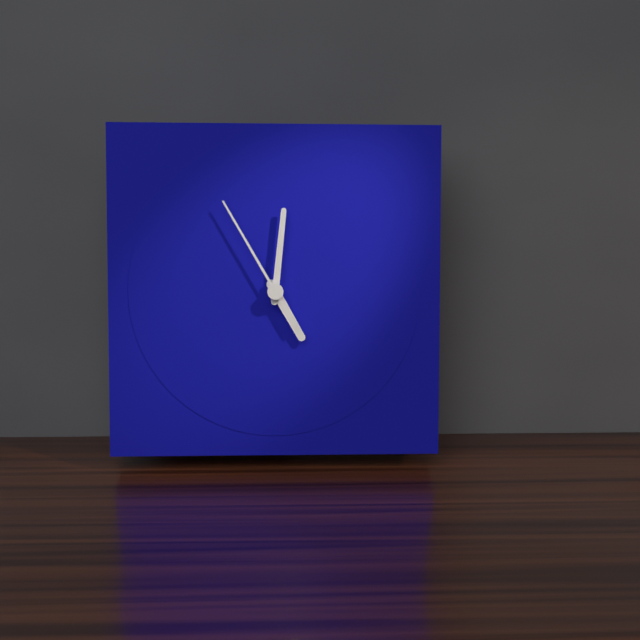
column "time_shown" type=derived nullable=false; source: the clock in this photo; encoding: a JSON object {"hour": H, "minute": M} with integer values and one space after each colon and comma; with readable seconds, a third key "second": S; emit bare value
{"hour": 5, "minute": 1, "second": 55}
